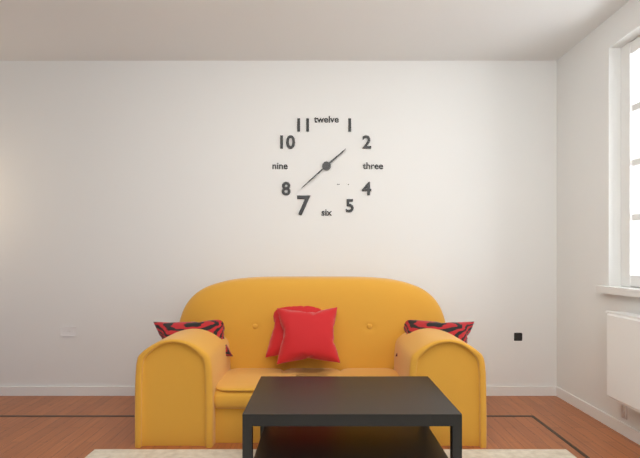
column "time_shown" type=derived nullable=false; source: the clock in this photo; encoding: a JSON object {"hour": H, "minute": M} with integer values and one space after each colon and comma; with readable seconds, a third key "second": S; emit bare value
{"hour": 1, "minute": 38}
